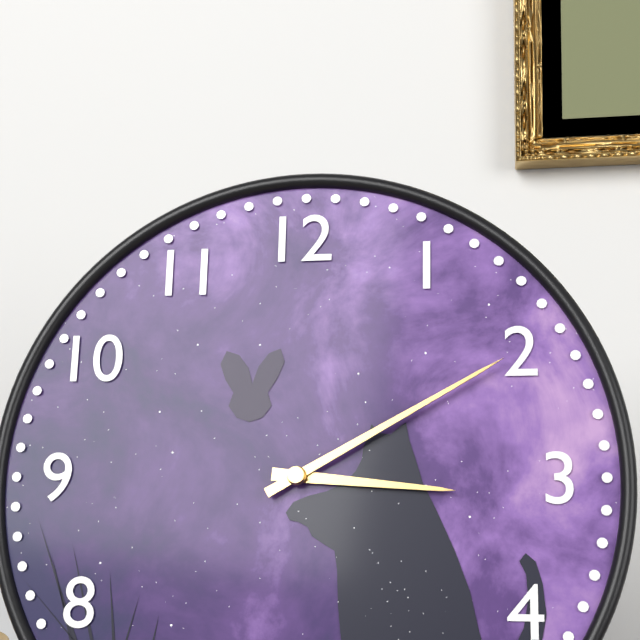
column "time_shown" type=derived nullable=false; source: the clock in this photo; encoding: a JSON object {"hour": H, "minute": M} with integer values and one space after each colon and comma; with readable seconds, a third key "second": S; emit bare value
{"hour": 3, "minute": 10}
